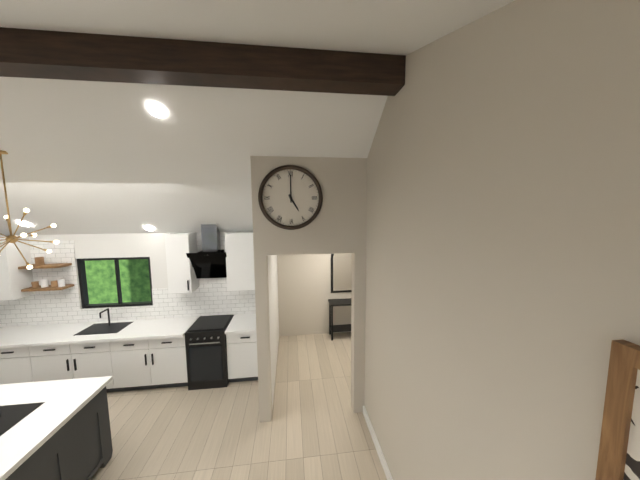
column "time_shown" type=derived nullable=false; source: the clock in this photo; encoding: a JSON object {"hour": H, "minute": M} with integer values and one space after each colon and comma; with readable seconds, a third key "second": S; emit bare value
{"hour": 5, "minute": 0}
